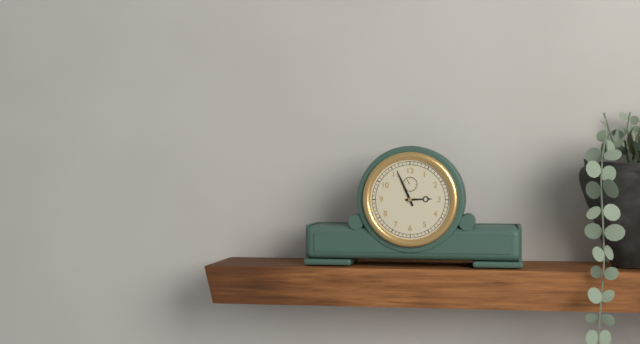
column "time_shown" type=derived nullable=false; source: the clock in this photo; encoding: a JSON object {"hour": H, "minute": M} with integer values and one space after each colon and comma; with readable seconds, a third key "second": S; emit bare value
{"hour": 2, "minute": 56}
